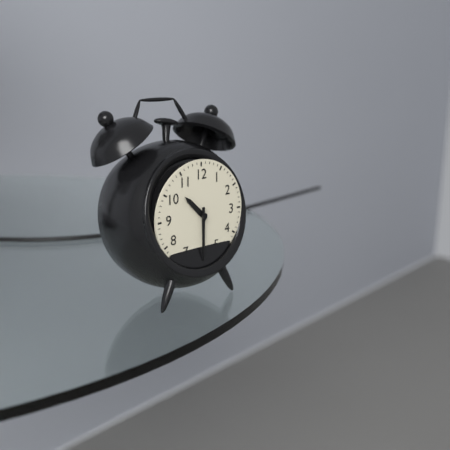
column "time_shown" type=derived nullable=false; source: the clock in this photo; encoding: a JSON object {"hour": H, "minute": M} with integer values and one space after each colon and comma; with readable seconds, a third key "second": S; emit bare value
{"hour": 10, "minute": 30}
